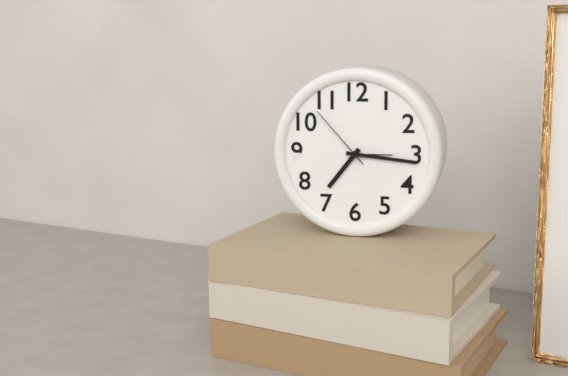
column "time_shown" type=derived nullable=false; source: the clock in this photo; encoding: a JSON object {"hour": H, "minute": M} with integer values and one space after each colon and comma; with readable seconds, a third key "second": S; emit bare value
{"hour": 7, "minute": 16, "second": 53}
